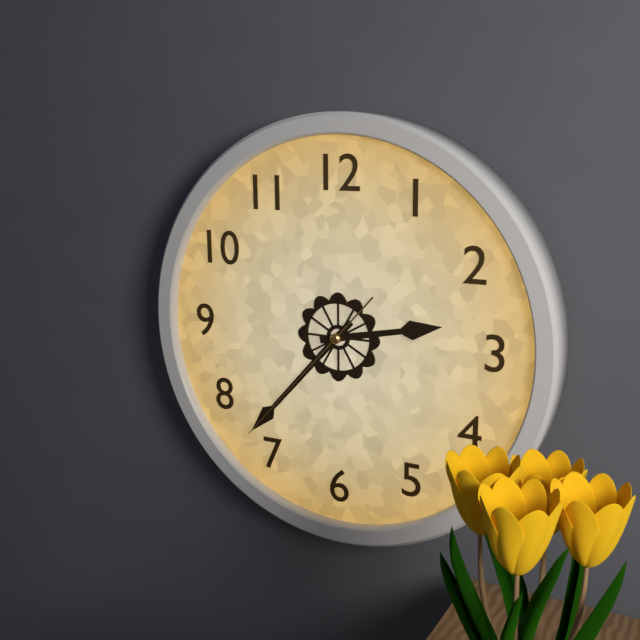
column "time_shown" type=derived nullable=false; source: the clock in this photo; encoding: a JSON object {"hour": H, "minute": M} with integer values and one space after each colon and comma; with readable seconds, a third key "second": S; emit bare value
{"hour": 2, "minute": 37, "second": 37}
